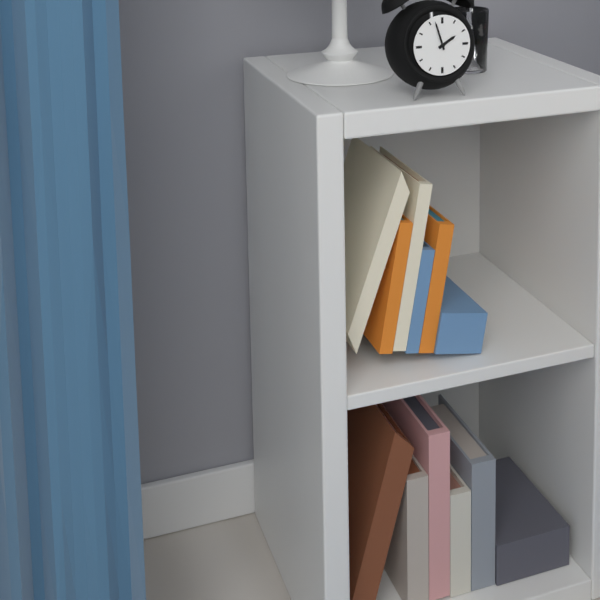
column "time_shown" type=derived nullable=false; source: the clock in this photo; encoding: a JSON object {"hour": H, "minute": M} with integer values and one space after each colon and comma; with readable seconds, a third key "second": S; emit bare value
{"hour": 1, "minute": 57}
